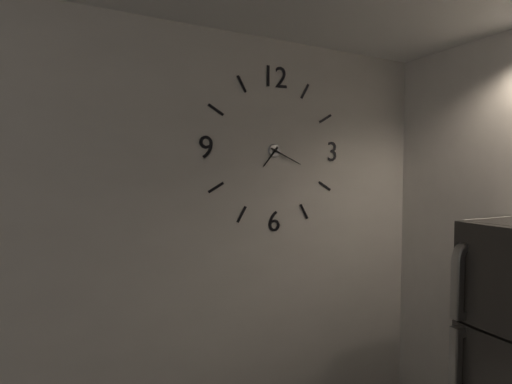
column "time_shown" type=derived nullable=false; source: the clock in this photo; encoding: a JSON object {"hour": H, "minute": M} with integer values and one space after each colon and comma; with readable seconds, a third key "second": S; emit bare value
{"hour": 7, "minute": 19}
